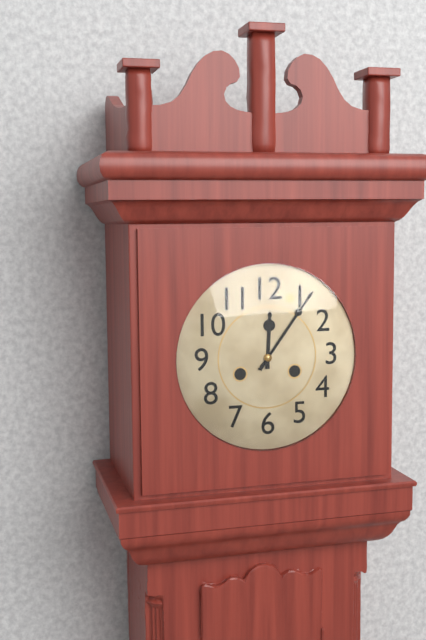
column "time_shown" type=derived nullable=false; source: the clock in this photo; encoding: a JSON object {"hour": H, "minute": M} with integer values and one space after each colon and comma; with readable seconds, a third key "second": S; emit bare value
{"hour": 12, "minute": 6}
